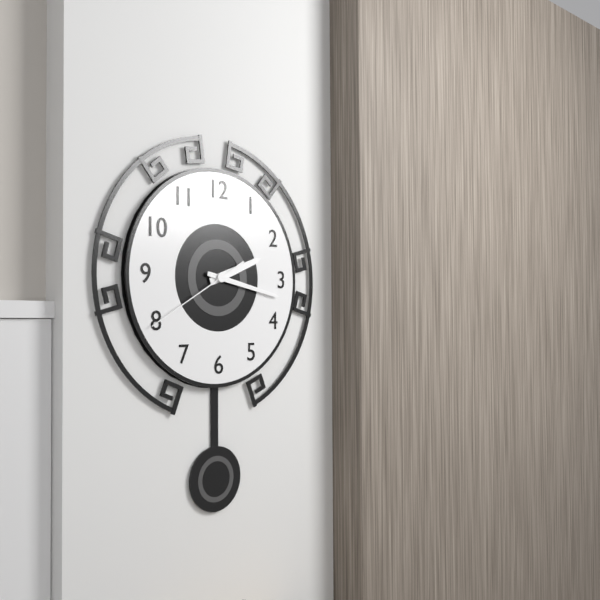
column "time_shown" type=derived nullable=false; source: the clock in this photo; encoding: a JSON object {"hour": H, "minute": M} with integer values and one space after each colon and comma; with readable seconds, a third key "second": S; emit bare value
{"hour": 2, "minute": 17, "second": 40}
